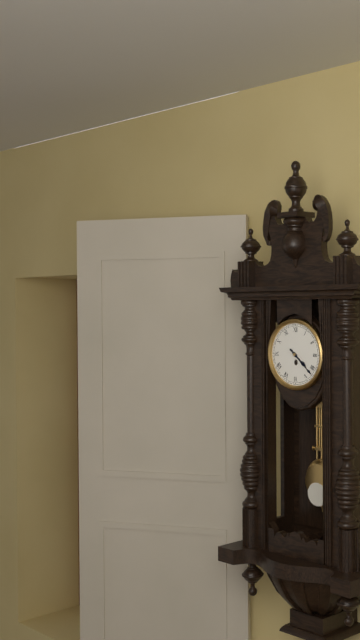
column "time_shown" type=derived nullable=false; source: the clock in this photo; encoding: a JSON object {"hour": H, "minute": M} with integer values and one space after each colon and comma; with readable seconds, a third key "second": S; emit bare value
{"hour": 4, "minute": 22}
